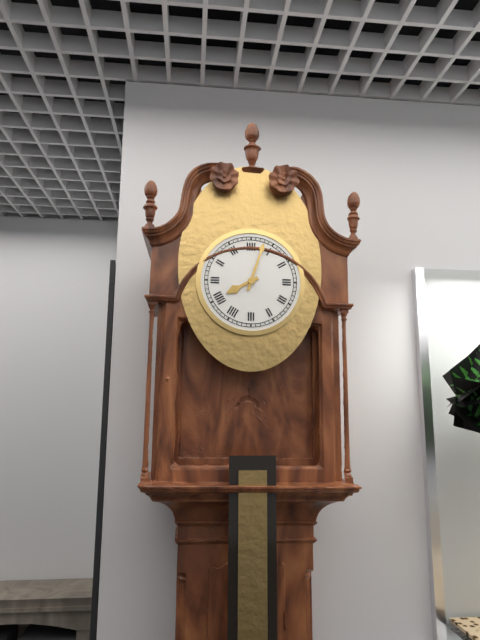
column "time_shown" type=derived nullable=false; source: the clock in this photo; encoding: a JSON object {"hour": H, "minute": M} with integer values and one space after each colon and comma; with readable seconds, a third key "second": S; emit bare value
{"hour": 8, "minute": 3}
